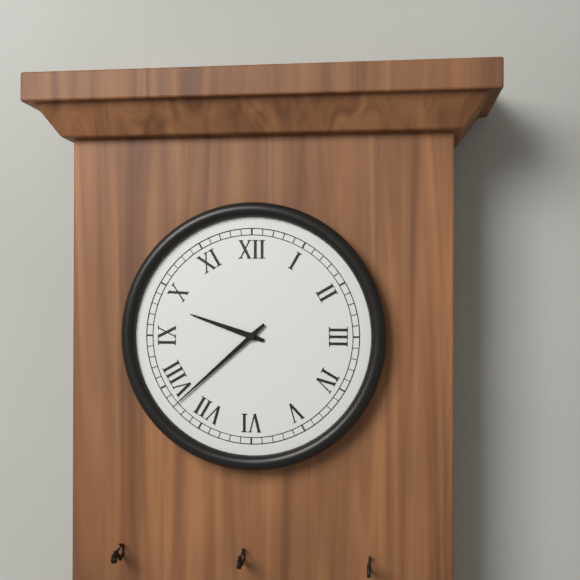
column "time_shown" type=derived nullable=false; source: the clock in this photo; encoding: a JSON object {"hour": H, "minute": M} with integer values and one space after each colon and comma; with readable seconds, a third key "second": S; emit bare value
{"hour": 9, "minute": 38}
